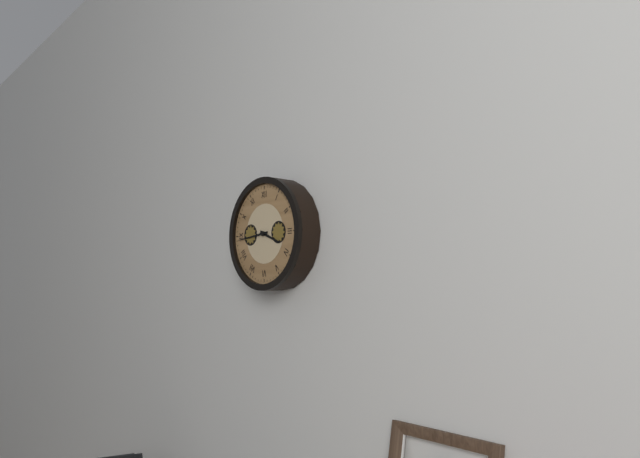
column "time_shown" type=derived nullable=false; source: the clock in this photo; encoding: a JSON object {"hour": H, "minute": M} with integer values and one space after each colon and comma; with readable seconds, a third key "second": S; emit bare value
{"hour": 3, "minute": 44}
